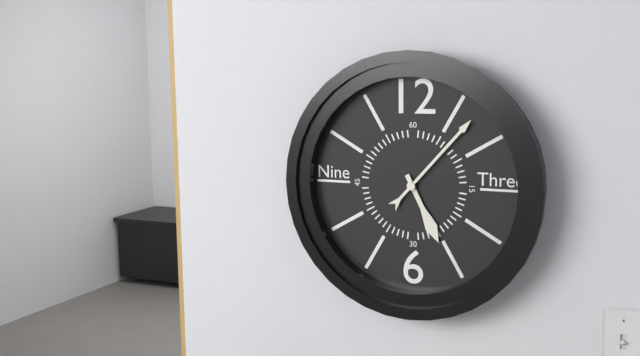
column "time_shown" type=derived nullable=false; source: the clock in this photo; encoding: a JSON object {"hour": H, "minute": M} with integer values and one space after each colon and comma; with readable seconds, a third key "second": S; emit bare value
{"hour": 5, "minute": 7}
